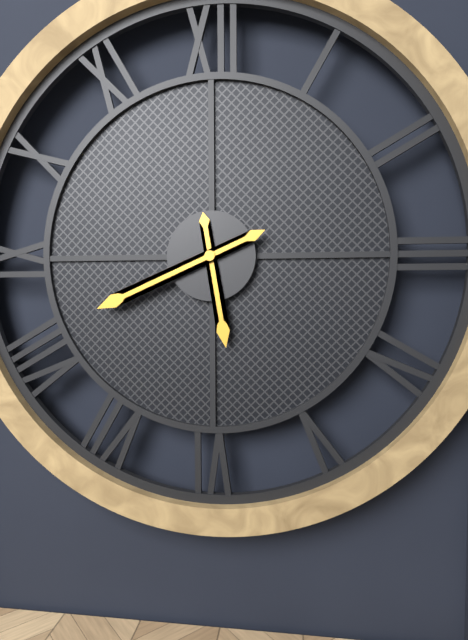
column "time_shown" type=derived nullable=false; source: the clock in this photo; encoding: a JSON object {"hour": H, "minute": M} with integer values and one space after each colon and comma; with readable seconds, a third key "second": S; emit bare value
{"hour": 5, "minute": 41}
